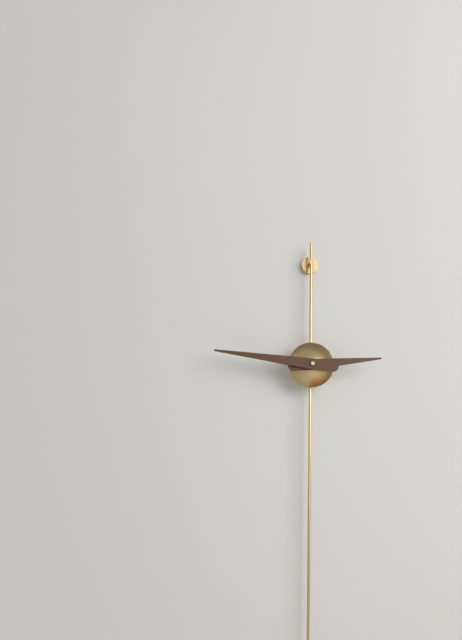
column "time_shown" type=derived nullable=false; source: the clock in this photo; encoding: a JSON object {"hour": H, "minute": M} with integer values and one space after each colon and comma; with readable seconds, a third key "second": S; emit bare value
{"hour": 2, "minute": 46}
